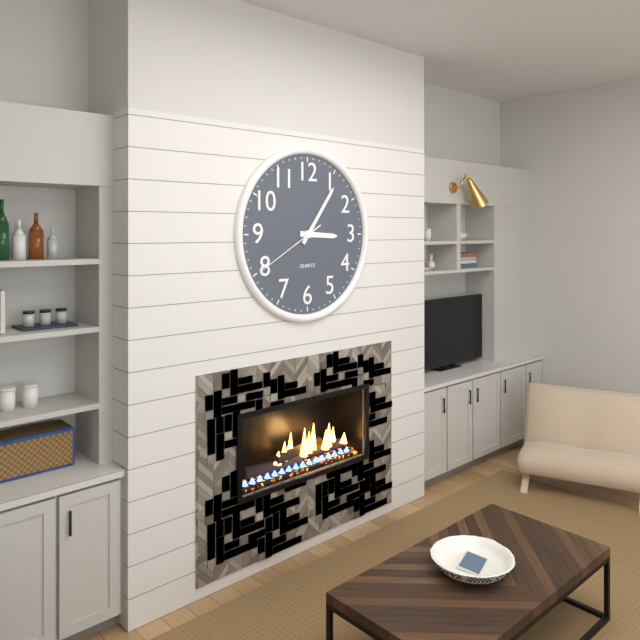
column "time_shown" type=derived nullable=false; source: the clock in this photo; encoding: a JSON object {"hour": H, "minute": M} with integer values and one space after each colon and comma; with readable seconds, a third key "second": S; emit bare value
{"hour": 3, "minute": 6, "second": 40}
